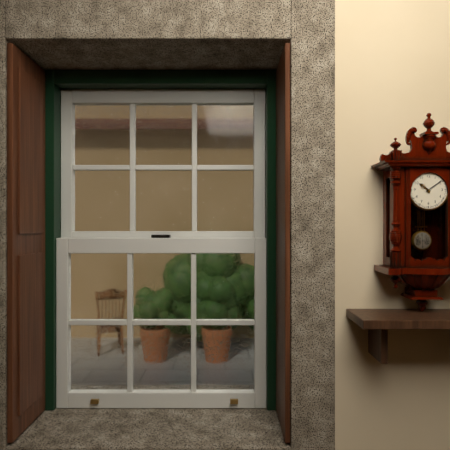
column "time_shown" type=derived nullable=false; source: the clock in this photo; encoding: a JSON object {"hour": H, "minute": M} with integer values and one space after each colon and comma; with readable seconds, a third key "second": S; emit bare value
{"hour": 10, "minute": 9}
